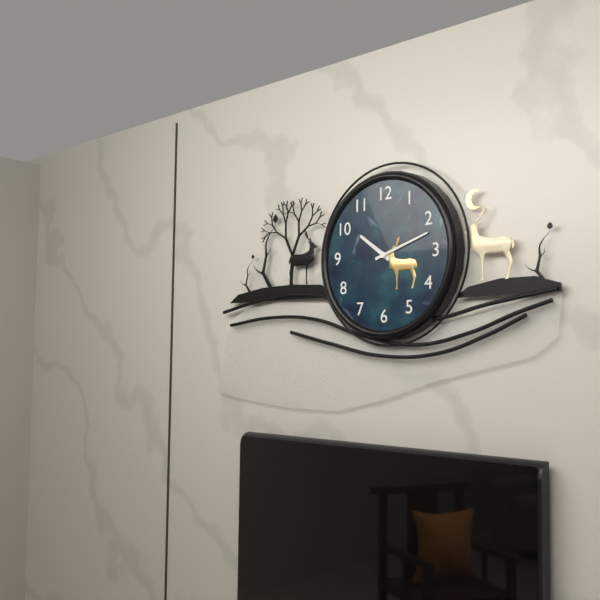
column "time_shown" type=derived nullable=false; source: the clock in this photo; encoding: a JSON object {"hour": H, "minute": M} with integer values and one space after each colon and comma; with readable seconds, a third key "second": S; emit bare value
{"hour": 10, "minute": 12}
